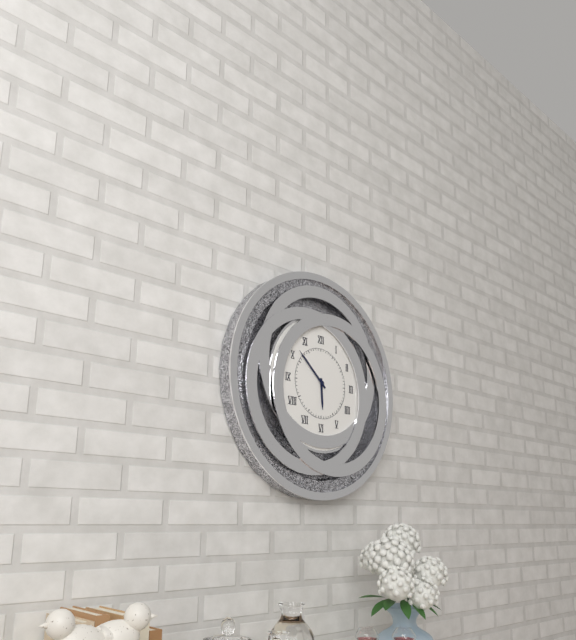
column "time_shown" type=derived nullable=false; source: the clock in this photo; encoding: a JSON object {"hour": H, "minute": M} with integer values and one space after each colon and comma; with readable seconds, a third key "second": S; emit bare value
{"hour": 5, "minute": 52}
